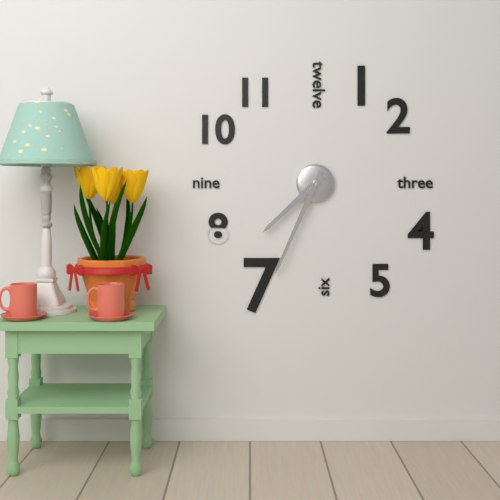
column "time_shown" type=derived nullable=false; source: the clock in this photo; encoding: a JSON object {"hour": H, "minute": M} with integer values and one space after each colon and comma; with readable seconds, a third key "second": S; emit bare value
{"hour": 7, "minute": 34}
